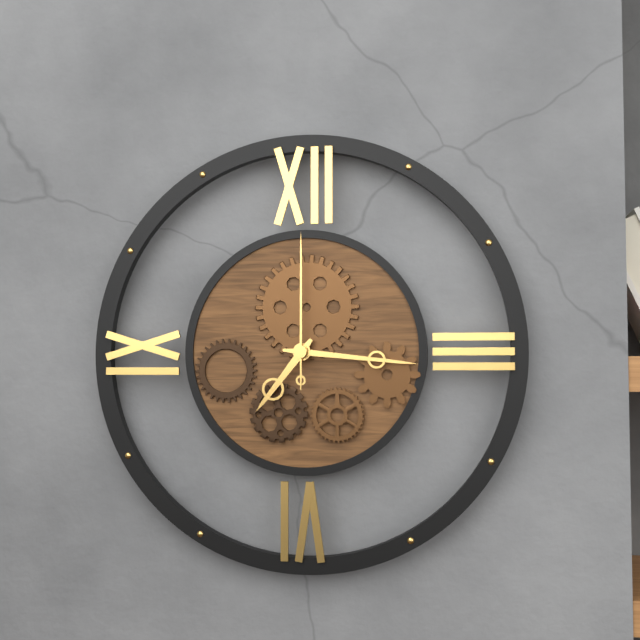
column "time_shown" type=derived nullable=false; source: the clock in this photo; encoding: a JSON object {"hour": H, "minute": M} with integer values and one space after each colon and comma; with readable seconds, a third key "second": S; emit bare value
{"hour": 7, "minute": 16, "second": 0}
